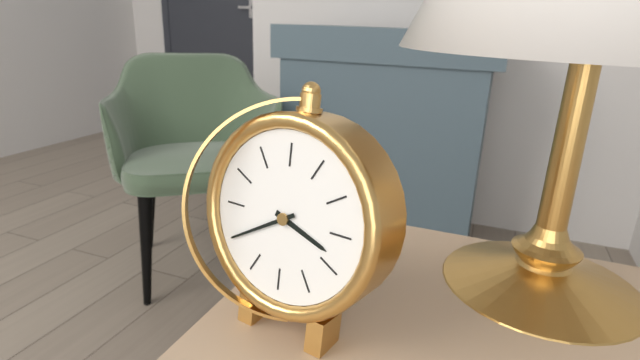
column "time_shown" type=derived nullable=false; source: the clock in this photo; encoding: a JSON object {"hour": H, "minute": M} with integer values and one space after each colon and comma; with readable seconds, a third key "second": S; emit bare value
{"hour": 3, "minute": 40}
